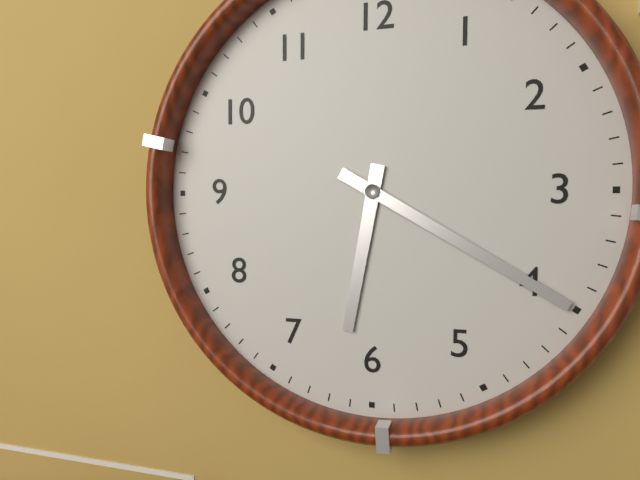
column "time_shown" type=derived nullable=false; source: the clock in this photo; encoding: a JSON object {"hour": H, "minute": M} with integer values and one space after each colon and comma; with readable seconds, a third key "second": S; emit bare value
{"hour": 6, "minute": 20}
